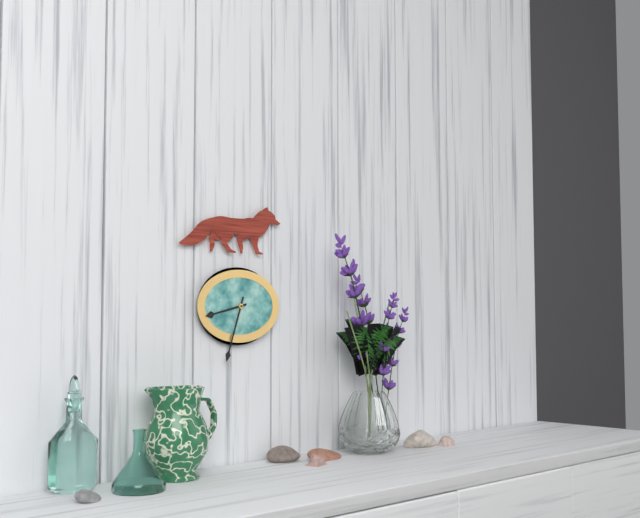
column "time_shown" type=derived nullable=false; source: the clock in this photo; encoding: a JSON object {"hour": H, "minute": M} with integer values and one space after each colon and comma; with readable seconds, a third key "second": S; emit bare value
{"hour": 8, "minute": 33}
